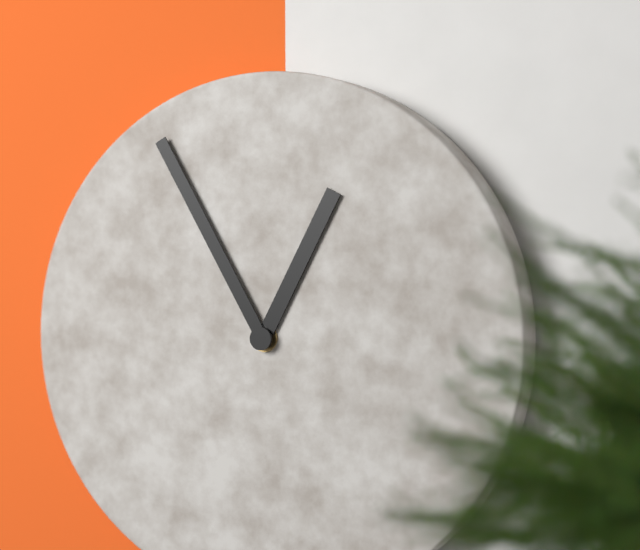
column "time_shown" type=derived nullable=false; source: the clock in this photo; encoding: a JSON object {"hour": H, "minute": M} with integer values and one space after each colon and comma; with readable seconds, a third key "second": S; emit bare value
{"hour": 12, "minute": 55}
